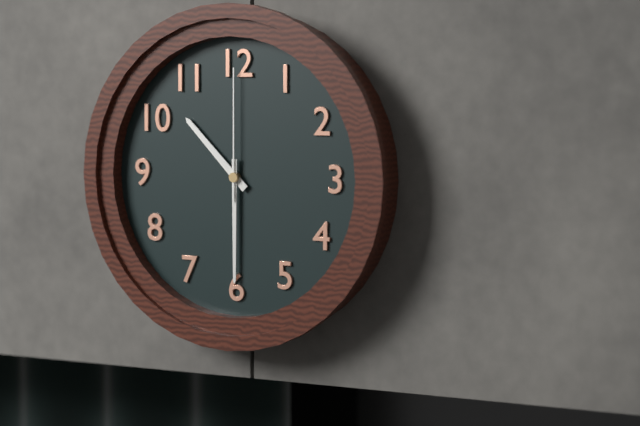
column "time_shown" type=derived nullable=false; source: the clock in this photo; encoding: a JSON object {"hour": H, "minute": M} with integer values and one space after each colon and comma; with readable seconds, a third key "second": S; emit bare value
{"hour": 10, "minute": 30, "second": 0}
